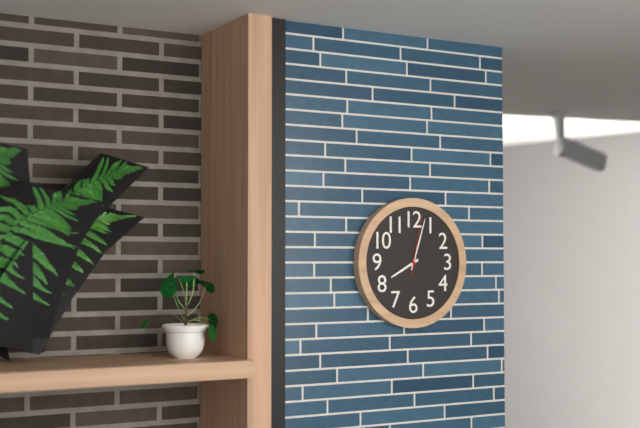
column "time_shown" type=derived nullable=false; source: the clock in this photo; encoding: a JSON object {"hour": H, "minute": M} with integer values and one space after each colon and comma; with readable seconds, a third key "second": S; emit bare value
{"hour": 8, "minute": 3, "second": 2}
